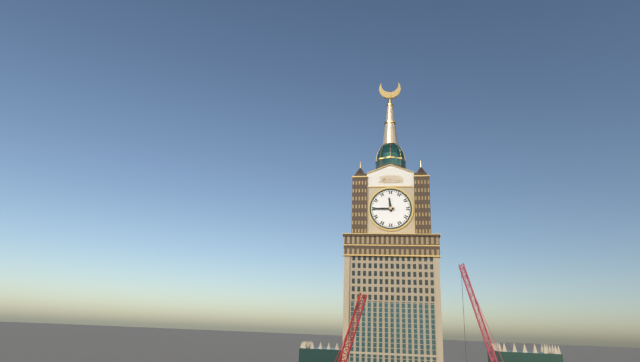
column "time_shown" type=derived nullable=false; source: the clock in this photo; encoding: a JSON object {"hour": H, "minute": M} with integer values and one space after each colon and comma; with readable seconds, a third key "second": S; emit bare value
{"hour": 11, "minute": 45}
